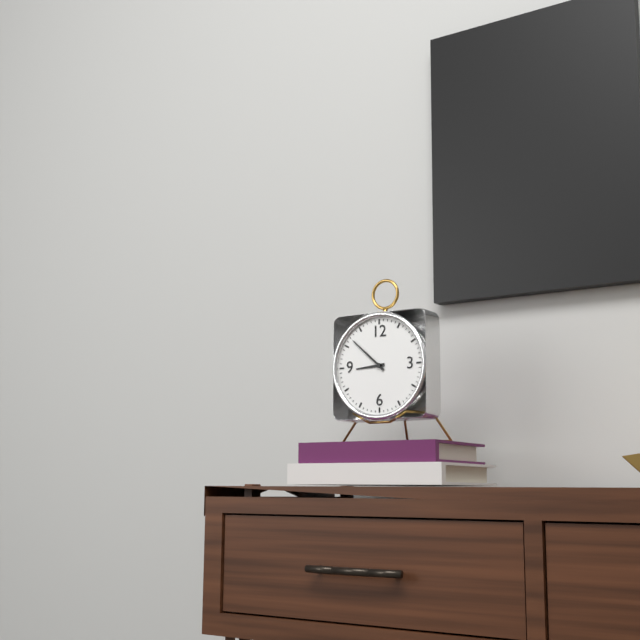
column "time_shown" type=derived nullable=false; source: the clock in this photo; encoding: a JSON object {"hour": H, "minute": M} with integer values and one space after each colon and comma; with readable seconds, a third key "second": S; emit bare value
{"hour": 8, "minute": 52}
